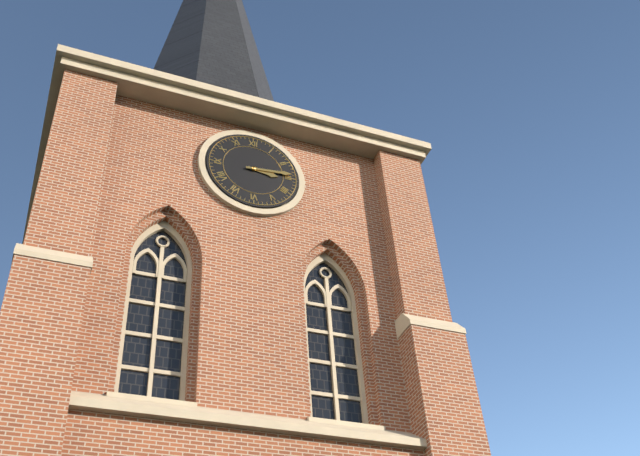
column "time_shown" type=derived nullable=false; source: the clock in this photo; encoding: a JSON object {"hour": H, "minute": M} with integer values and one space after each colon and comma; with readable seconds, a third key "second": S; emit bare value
{"hour": 3, "minute": 14}
